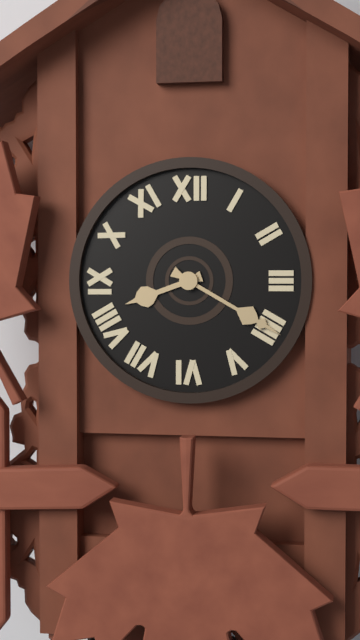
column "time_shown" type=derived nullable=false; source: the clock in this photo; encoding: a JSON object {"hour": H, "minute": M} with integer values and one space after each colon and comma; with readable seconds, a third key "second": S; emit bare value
{"hour": 8, "minute": 20}
